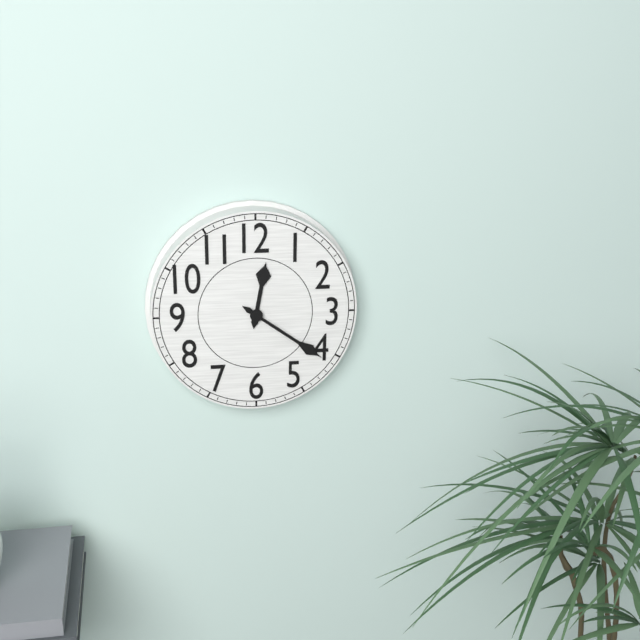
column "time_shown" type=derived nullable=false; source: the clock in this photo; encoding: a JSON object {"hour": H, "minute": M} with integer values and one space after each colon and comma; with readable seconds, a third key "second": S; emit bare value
{"hour": 12, "minute": 21}
